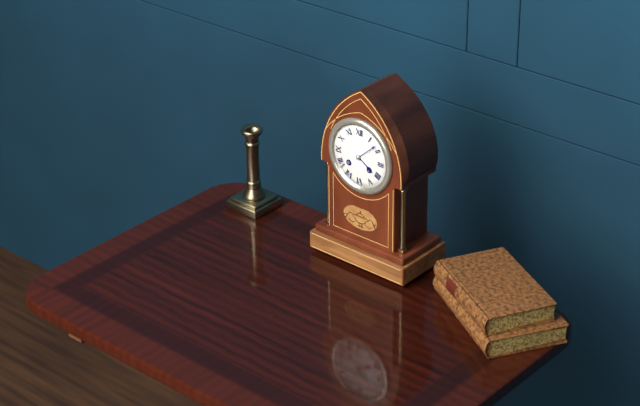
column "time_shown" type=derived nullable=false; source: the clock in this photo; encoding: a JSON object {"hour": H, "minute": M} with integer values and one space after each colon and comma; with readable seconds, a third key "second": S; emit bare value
{"hour": 4, "minute": 8}
